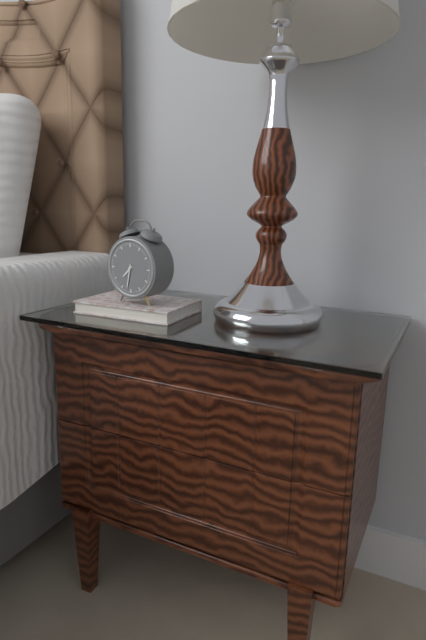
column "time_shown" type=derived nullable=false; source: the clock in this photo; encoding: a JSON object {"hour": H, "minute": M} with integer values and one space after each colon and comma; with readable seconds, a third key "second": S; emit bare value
{"hour": 7, "minute": 32}
